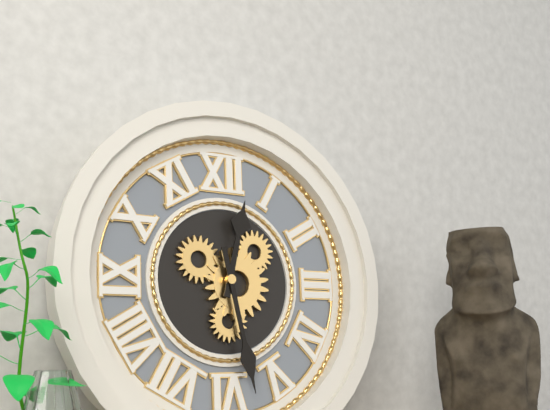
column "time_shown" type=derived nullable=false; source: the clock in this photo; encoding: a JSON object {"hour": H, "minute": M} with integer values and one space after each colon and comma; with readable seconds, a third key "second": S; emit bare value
{"hour": 12, "minute": 28}
